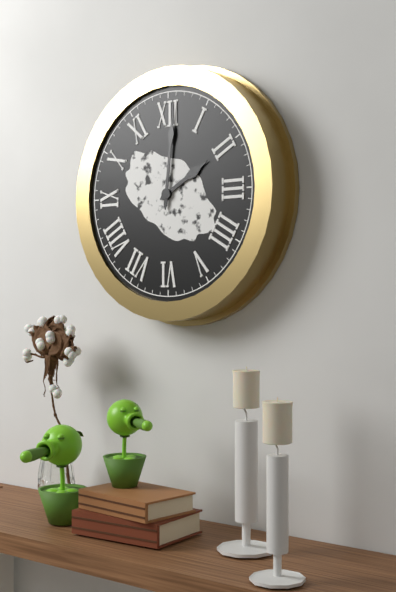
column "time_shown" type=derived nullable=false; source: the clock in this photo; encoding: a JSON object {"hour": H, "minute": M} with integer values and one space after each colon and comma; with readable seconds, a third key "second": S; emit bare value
{"hour": 2, "minute": 1}
